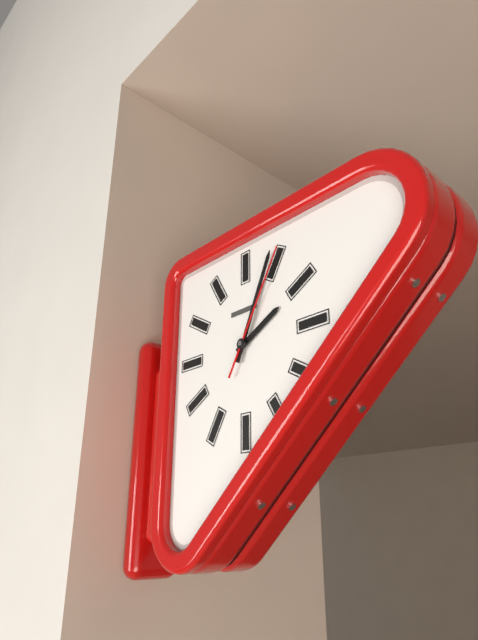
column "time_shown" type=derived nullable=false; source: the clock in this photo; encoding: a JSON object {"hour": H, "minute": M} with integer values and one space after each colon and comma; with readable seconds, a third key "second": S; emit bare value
{"hour": 2, "minute": 4, "second": 5}
